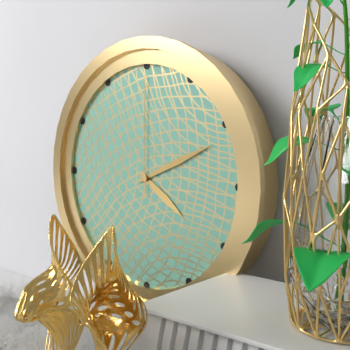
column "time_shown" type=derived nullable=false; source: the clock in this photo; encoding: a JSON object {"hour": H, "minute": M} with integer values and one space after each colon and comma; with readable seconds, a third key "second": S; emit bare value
{"hour": 4, "minute": 11, "second": 0}
